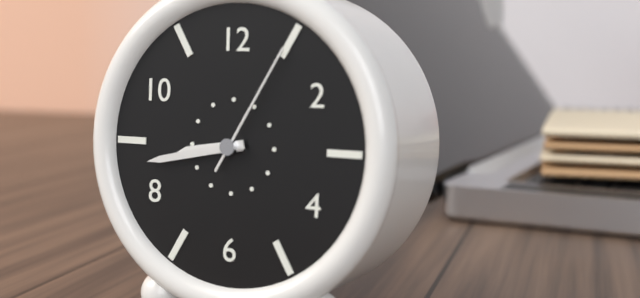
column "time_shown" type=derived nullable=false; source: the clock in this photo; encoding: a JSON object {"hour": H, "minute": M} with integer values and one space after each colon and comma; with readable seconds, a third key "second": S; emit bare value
{"hour": 8, "minute": 43, "second": 5}
